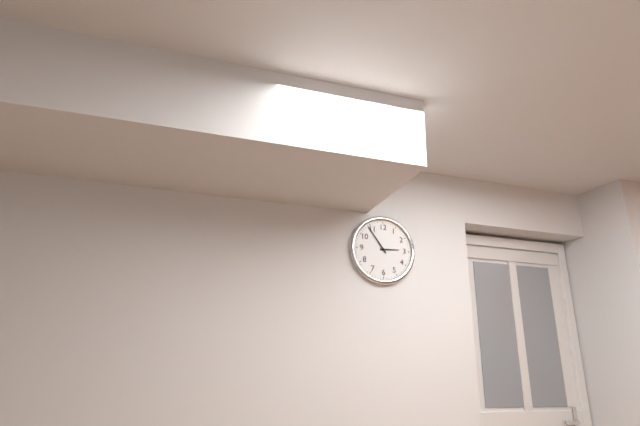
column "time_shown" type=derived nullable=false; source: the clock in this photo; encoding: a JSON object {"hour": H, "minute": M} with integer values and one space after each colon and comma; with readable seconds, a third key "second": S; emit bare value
{"hour": 2, "minute": 54}
